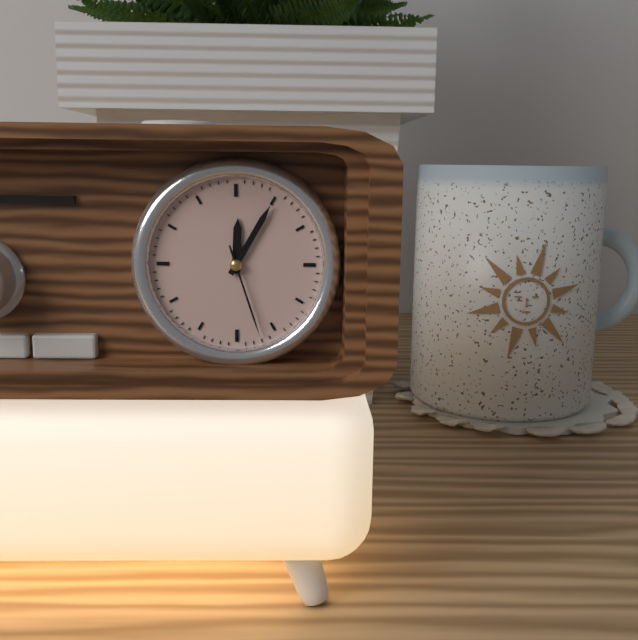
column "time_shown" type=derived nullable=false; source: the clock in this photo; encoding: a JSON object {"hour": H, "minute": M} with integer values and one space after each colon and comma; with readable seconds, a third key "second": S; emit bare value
{"hour": 12, "minute": 5, "second": 27}
